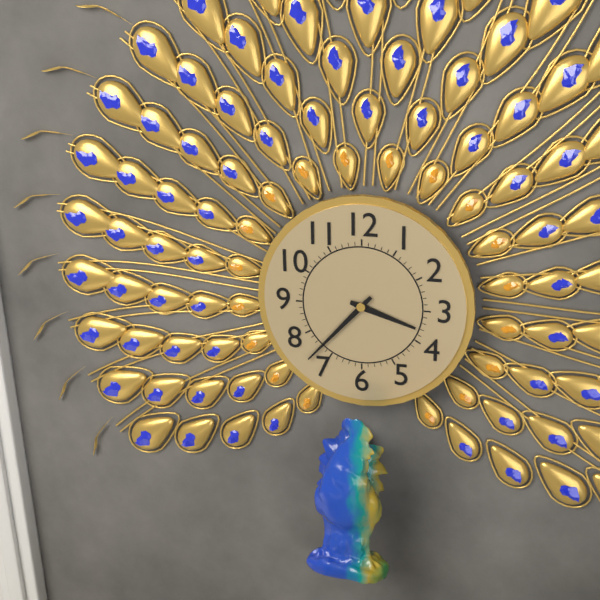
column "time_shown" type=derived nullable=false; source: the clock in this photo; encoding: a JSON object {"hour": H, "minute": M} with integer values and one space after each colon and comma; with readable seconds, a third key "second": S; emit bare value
{"hour": 3, "minute": 37}
